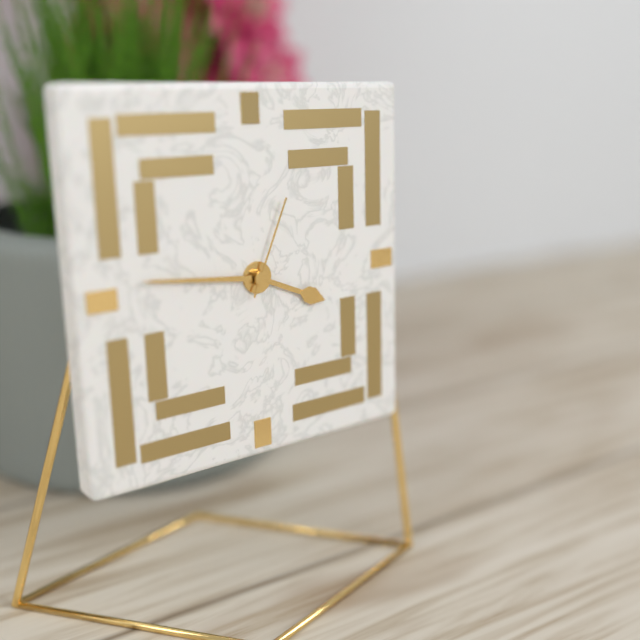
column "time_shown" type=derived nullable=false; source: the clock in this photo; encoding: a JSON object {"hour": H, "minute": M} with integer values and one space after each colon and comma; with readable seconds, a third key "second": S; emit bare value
{"hour": 3, "minute": 46, "second": 4}
